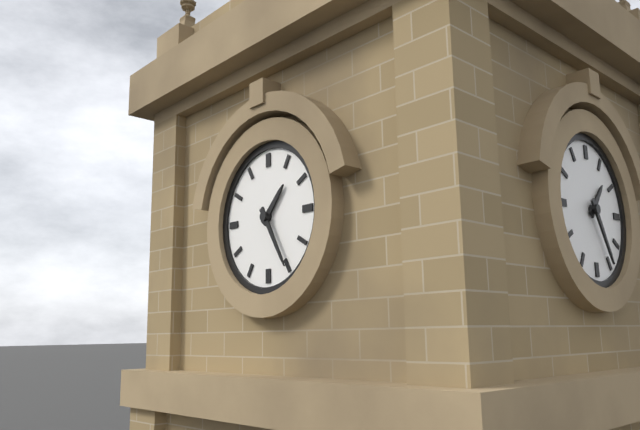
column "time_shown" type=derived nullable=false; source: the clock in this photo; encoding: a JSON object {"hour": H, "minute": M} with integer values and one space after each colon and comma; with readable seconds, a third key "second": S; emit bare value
{"hour": 1, "minute": 25}
